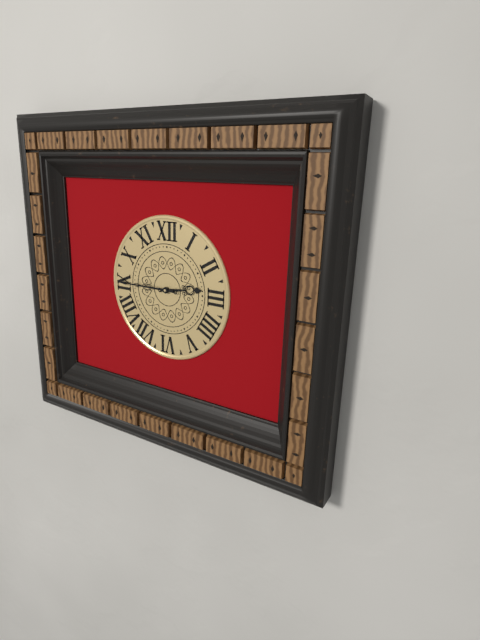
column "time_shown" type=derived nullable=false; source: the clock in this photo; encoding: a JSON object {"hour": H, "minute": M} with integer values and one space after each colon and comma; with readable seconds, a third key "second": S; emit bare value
{"hour": 2, "minute": 45}
